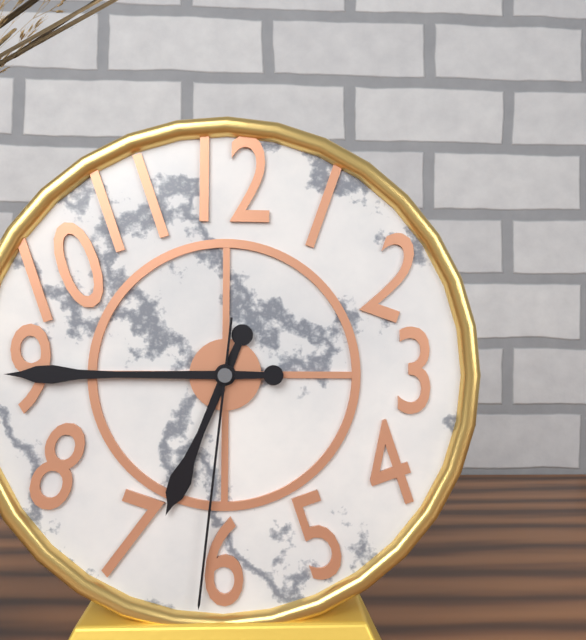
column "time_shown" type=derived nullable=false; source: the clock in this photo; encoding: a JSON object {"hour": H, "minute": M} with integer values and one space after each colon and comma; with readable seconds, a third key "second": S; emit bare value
{"hour": 6, "minute": 45, "second": 31}
